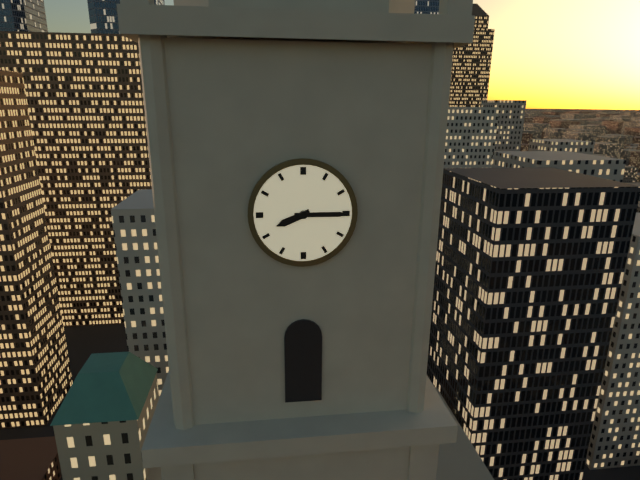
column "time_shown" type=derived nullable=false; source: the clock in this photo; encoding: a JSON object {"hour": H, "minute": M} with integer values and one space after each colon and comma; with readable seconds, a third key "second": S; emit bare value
{"hour": 8, "minute": 15}
